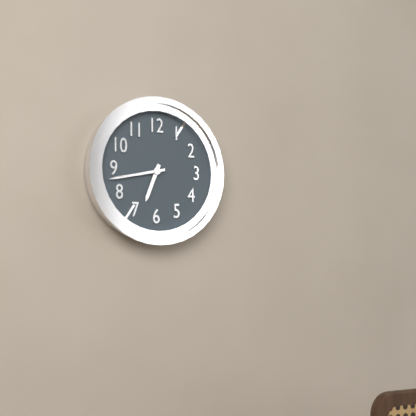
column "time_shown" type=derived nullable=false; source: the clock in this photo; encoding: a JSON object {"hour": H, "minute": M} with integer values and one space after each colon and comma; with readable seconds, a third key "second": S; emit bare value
{"hour": 6, "minute": 43}
